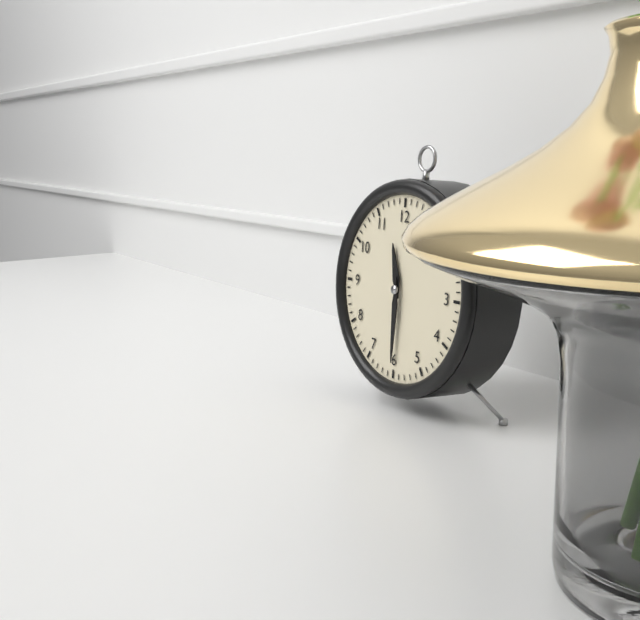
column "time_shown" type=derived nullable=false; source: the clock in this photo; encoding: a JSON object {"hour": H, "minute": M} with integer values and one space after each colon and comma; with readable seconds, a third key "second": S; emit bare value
{"hour": 11, "minute": 30}
